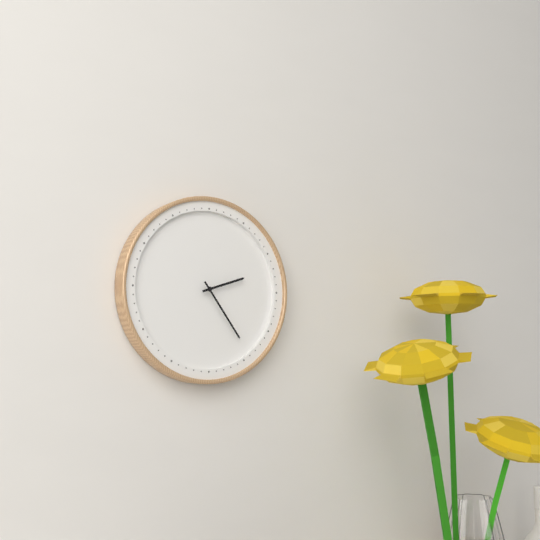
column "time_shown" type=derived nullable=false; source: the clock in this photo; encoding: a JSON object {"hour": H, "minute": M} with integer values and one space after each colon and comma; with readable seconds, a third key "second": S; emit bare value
{"hour": 2, "minute": 24}
